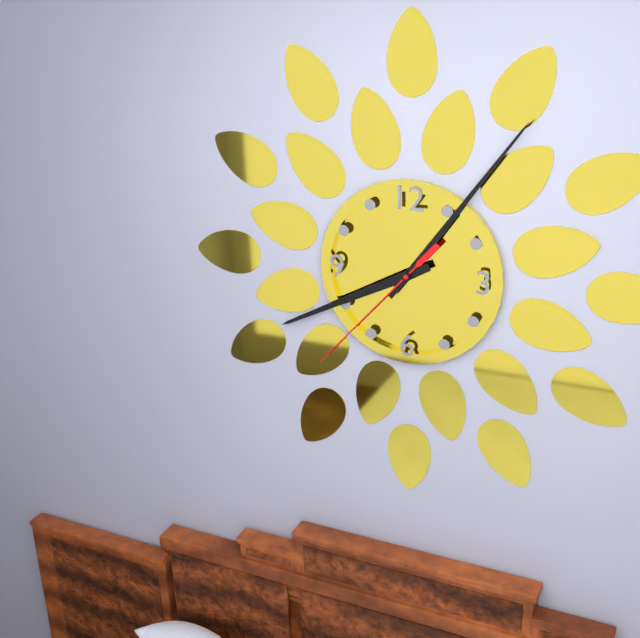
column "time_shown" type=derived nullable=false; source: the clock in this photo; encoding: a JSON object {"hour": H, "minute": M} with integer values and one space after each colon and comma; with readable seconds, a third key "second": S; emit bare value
{"hour": 8, "minute": 6, "second": 37}
